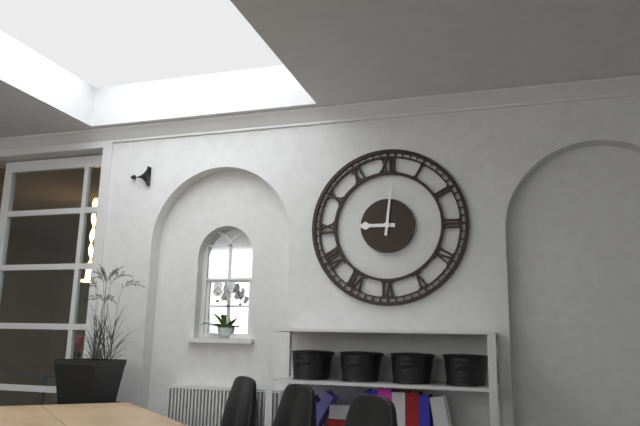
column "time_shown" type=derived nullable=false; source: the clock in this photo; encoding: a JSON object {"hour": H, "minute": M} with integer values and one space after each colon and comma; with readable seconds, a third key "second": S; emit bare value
{"hour": 9, "minute": 1}
